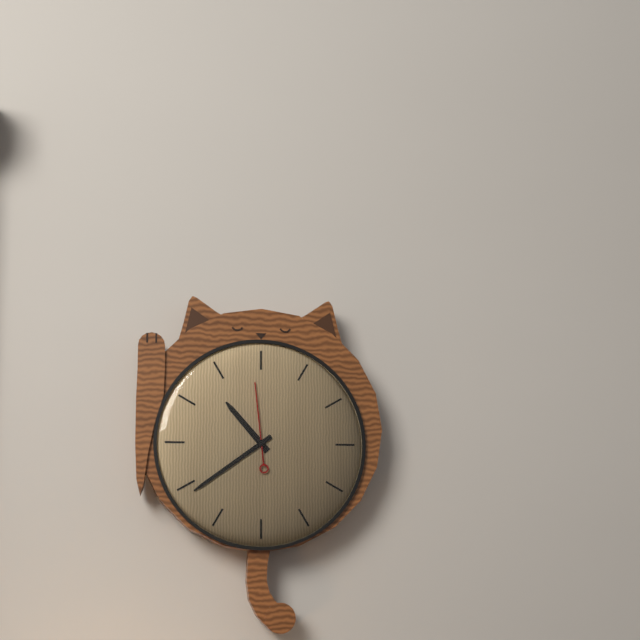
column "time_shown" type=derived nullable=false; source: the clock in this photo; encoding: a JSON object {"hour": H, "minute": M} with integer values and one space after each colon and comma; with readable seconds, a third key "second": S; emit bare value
{"hour": 10, "minute": 39, "second": 59}
